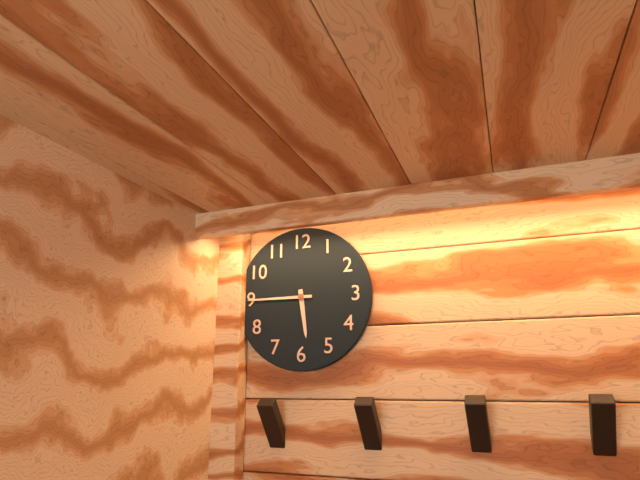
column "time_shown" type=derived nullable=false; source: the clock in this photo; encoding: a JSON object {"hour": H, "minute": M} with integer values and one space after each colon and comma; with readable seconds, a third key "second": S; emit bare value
{"hour": 5, "minute": 45}
